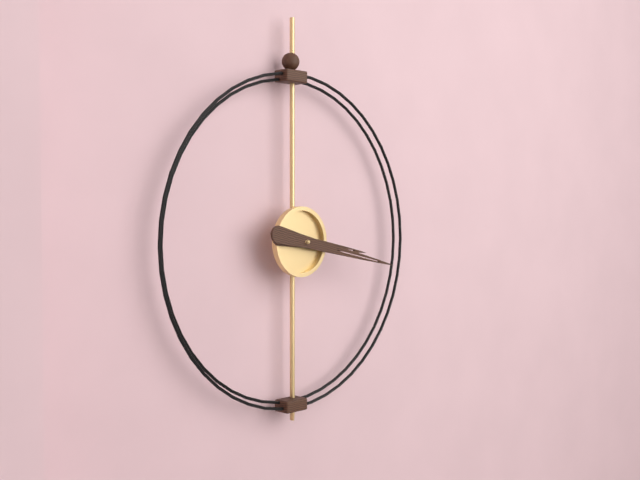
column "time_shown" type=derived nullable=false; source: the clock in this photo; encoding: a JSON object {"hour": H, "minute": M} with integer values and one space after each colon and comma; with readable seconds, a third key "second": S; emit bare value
{"hour": 3, "minute": 17}
